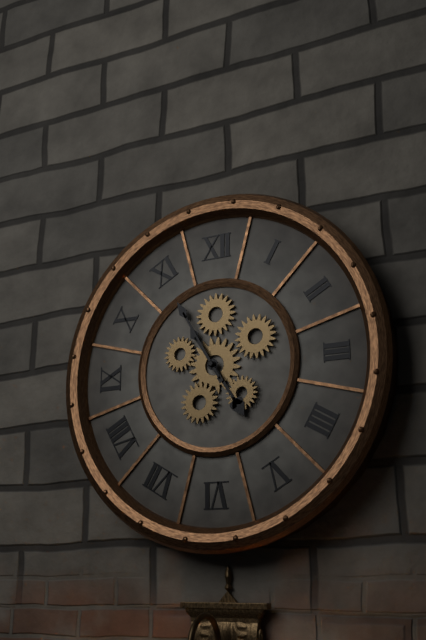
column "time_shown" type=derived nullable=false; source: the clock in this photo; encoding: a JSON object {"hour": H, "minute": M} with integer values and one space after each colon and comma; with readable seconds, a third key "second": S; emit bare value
{"hour": 4, "minute": 55}
